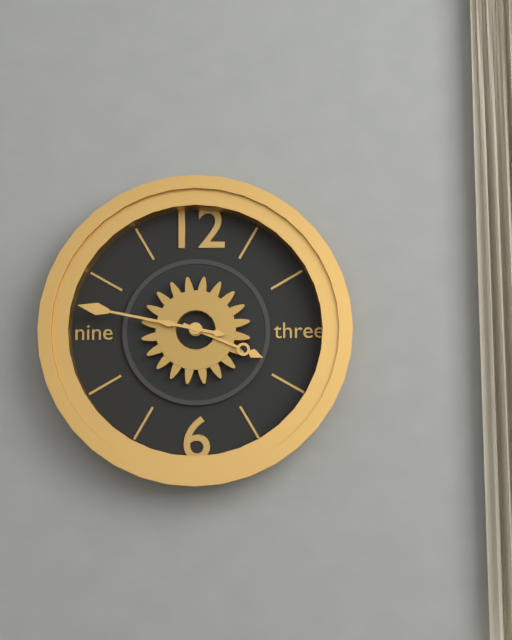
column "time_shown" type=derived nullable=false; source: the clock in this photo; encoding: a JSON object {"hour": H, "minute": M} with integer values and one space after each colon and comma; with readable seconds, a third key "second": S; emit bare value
{"hour": 3, "minute": 47}
